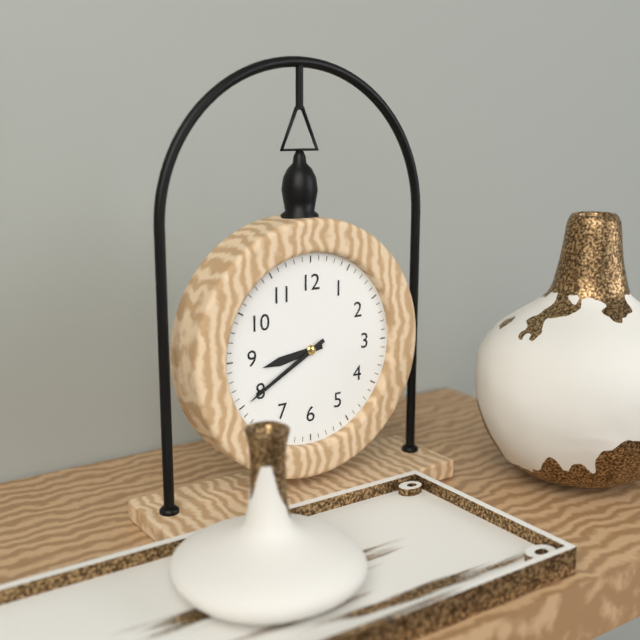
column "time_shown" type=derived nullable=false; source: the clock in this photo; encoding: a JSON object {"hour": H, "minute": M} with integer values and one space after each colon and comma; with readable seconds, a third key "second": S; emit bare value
{"hour": 8, "minute": 40}
